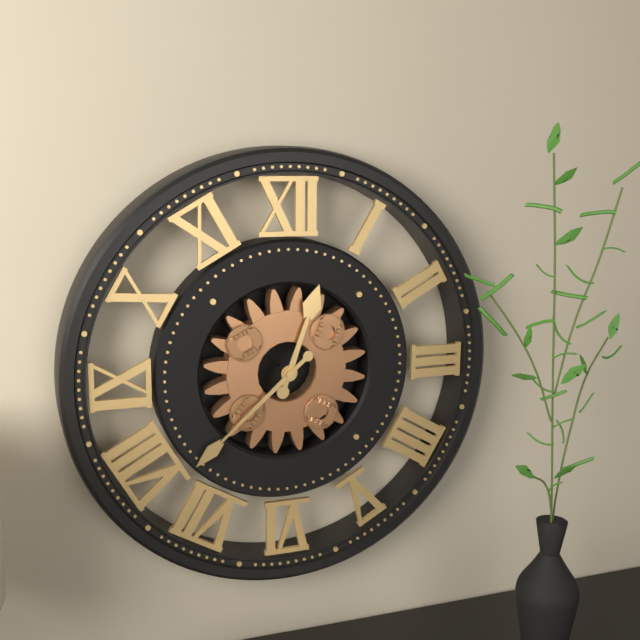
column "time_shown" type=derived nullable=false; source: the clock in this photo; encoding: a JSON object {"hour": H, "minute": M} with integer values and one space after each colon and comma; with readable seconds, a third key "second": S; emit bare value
{"hour": 12, "minute": 38}
